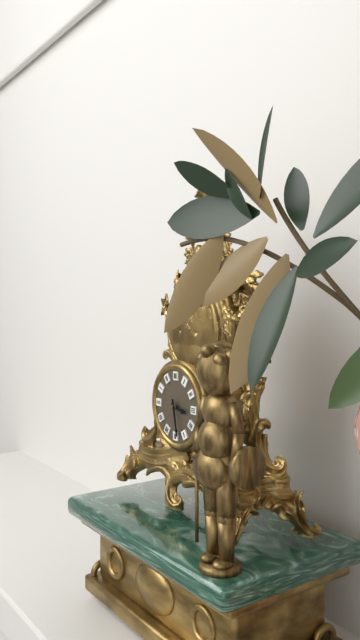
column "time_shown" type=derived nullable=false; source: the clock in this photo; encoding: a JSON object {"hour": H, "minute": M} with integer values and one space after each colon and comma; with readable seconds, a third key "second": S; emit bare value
{"hour": 3, "minute": 28}
